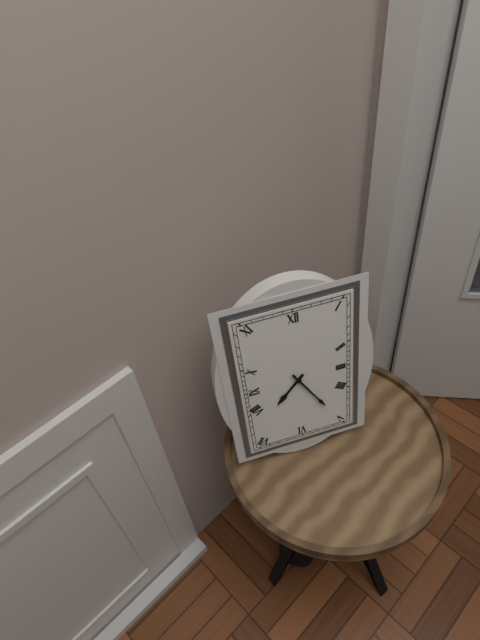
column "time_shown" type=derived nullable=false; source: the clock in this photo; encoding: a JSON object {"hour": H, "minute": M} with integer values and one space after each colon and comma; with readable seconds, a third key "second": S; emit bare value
{"hour": 7, "minute": 25}
